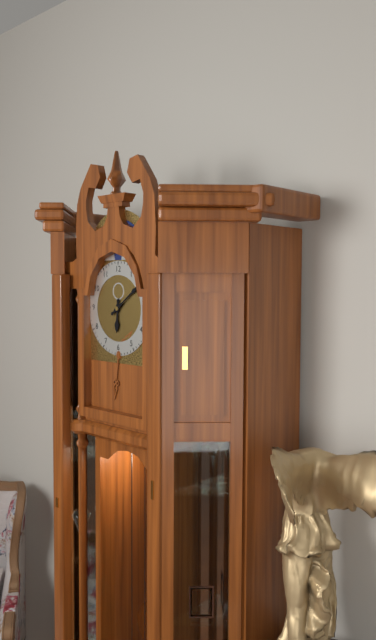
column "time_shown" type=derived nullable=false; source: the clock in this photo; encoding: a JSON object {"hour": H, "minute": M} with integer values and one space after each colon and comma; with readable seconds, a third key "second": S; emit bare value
{"hour": 6, "minute": 9}
